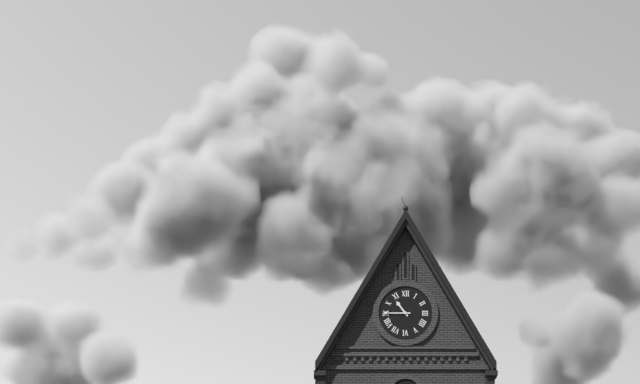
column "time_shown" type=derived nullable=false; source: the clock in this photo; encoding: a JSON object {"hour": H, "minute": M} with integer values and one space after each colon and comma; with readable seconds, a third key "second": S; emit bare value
{"hour": 10, "minute": 45}
